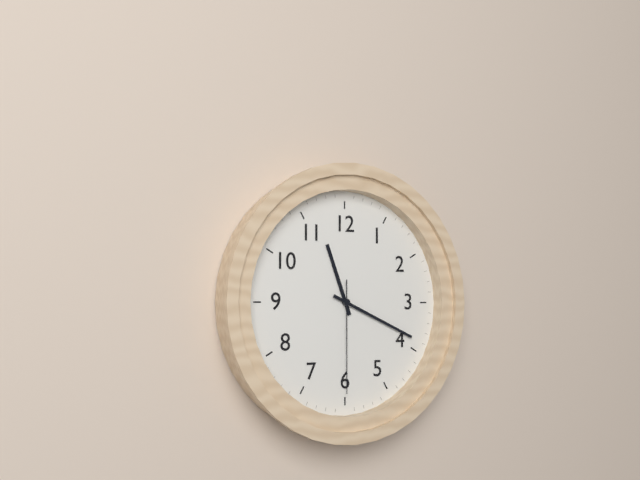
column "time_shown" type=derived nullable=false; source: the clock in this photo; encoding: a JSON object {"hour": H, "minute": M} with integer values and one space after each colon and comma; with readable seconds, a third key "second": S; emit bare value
{"hour": 11, "minute": 19, "second": 30}
